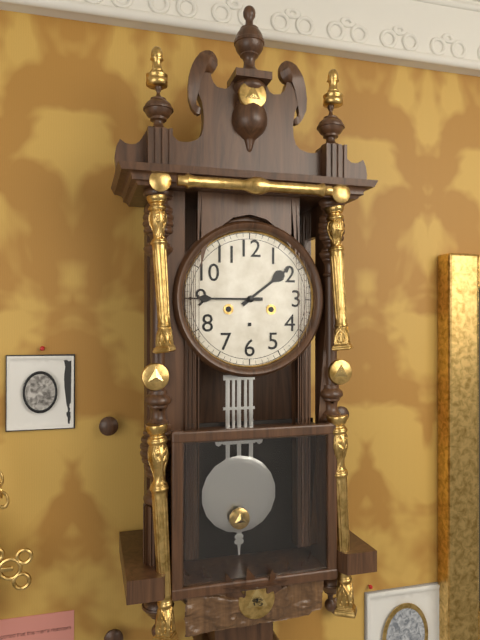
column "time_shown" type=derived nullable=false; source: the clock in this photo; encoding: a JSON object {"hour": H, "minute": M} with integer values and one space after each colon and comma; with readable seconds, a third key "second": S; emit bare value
{"hour": 1, "minute": 45}
